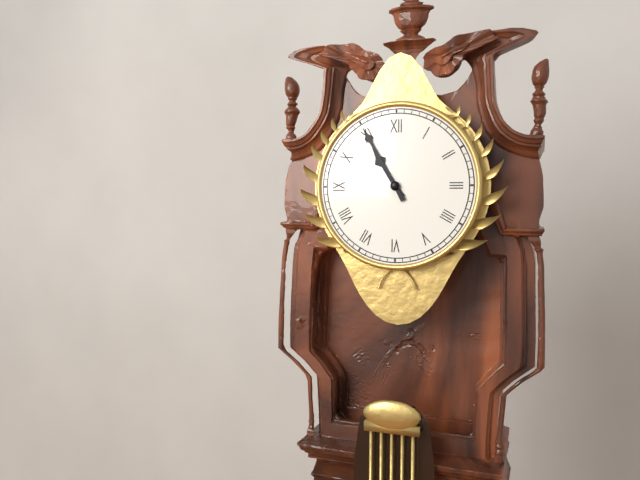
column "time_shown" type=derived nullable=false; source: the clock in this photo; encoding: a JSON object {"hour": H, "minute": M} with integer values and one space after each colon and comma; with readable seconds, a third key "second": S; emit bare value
{"hour": 10, "minute": 55}
